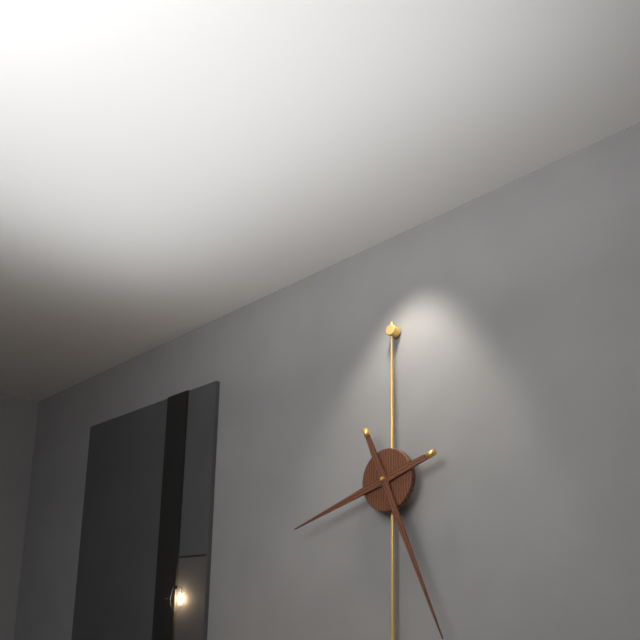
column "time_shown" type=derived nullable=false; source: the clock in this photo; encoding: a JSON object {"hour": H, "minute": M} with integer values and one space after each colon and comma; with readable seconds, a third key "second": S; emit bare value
{"hour": 8, "minute": 26}
